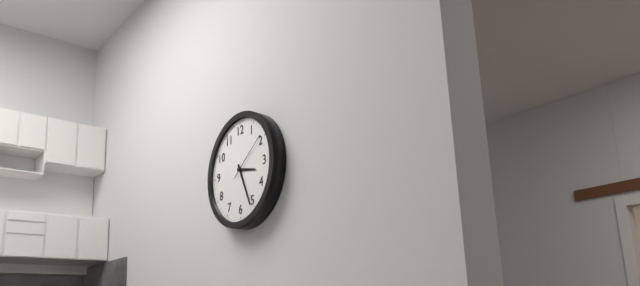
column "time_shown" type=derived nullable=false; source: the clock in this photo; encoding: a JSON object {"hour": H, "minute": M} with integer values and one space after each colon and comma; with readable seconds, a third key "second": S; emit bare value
{"hour": 3, "minute": 26, "second": 9}
